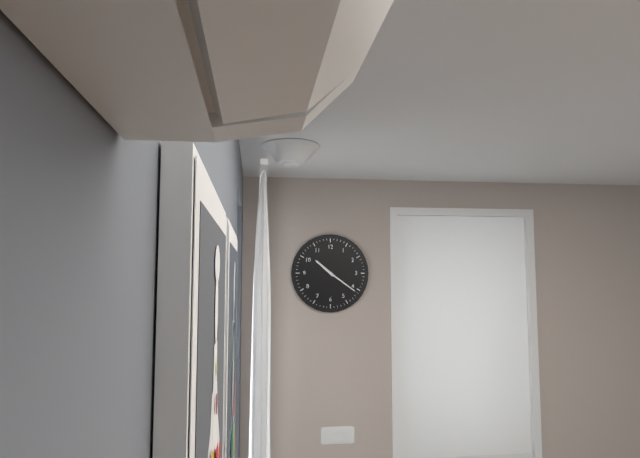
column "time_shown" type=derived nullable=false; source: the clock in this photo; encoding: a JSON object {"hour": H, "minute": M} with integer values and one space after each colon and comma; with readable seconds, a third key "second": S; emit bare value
{"hour": 10, "minute": 21}
